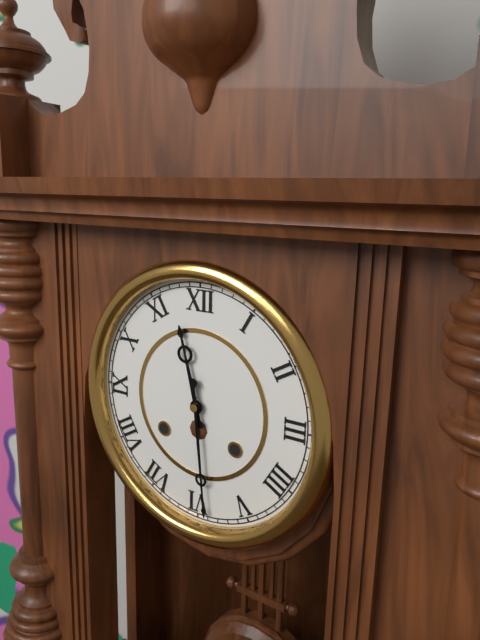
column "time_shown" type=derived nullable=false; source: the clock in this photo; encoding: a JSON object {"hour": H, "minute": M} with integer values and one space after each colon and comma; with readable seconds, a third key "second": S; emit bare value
{"hour": 11, "minute": 29}
